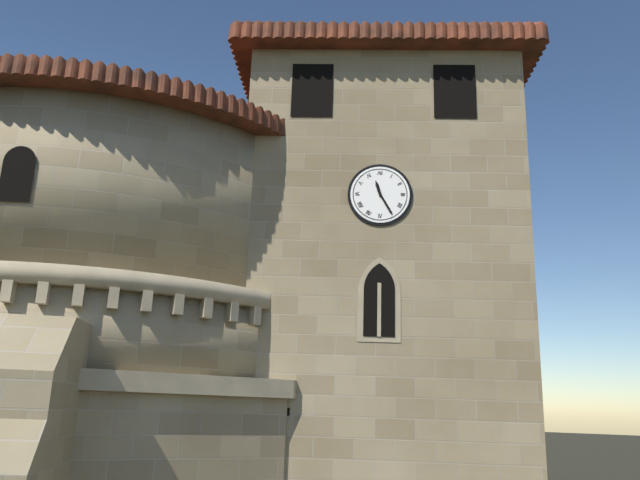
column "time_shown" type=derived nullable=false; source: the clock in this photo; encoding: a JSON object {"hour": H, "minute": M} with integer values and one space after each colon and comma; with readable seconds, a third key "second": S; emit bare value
{"hour": 11, "minute": 25}
